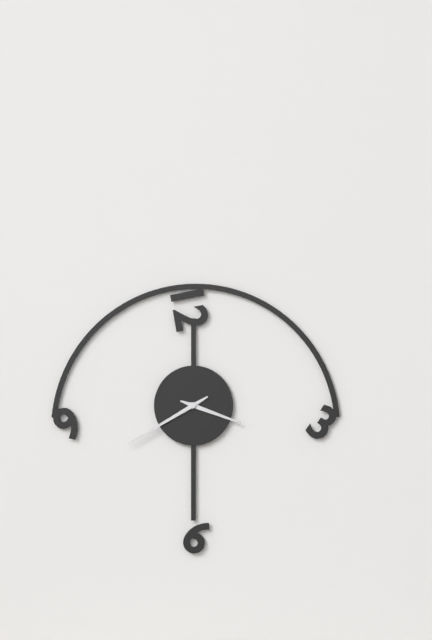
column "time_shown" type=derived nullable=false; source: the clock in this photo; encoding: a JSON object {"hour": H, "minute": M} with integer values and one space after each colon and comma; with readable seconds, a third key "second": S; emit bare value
{"hour": 3, "minute": 40}
